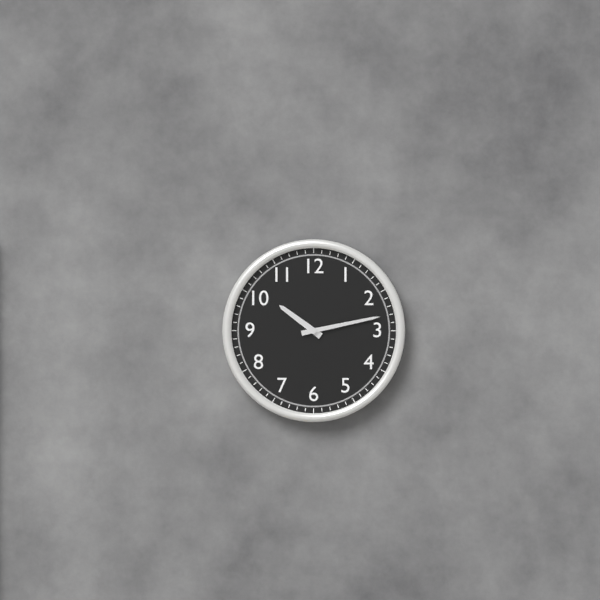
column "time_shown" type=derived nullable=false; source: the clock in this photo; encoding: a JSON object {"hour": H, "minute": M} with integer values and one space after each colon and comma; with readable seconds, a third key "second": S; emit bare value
{"hour": 10, "minute": 13}
